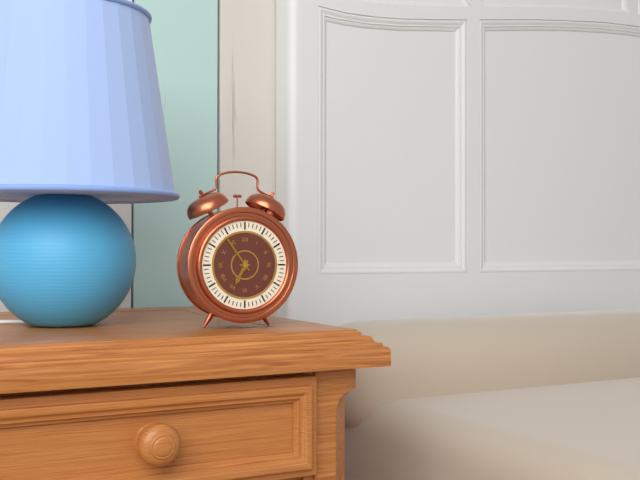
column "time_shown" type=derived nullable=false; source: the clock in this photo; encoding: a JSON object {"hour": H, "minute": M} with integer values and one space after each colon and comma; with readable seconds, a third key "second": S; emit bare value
{"hour": 6, "minute": 54}
